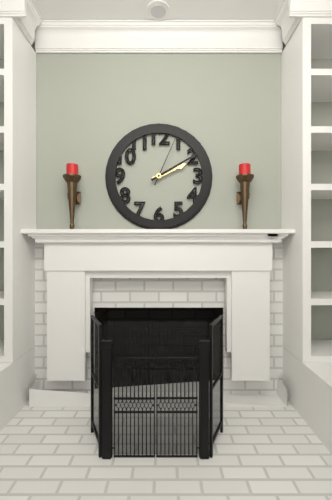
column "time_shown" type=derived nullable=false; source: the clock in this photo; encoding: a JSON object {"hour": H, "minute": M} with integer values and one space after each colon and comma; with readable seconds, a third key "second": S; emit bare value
{"hour": 2, "minute": 10, "second": 4}
